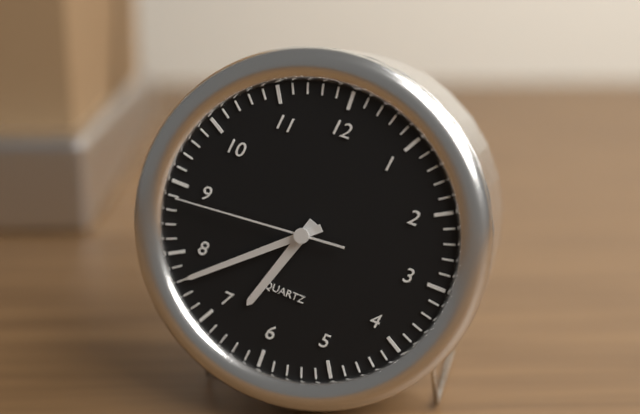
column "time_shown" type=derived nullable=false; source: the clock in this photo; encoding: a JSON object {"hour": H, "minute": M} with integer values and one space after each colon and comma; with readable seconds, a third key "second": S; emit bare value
{"hour": 6, "minute": 38, "second": 44}
